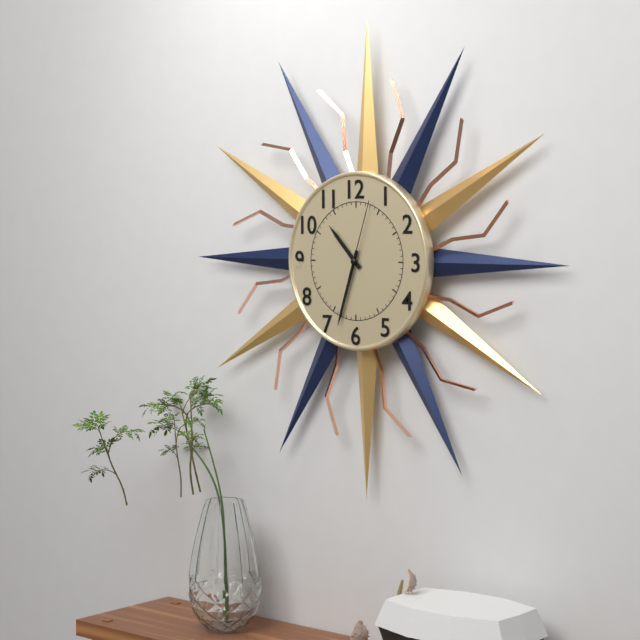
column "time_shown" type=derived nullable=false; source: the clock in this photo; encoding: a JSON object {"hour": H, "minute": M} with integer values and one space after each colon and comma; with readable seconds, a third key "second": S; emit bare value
{"hour": 10, "minute": 33, "second": 3}
